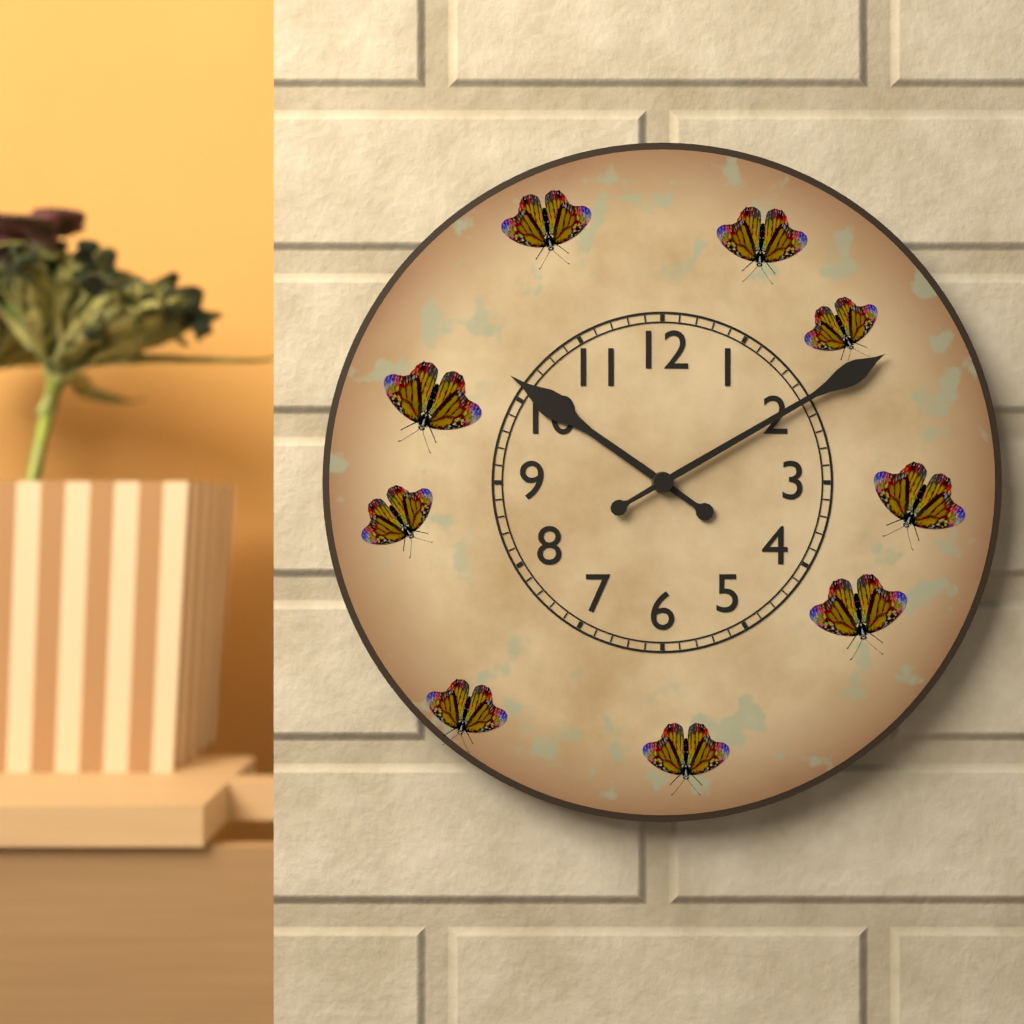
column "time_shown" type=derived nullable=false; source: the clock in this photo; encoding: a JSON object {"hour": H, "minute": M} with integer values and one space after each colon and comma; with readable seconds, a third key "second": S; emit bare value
{"hour": 10, "minute": 10}
